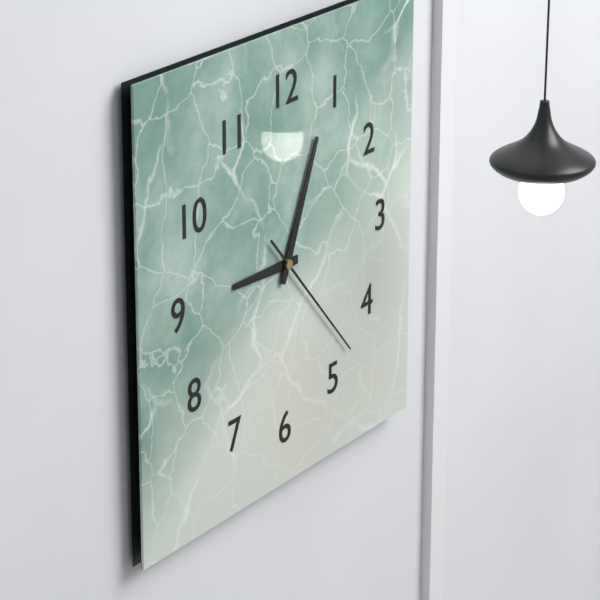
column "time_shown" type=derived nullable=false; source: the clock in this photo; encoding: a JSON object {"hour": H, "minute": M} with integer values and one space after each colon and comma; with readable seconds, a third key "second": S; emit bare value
{"hour": 9, "minute": 4, "second": 23}
